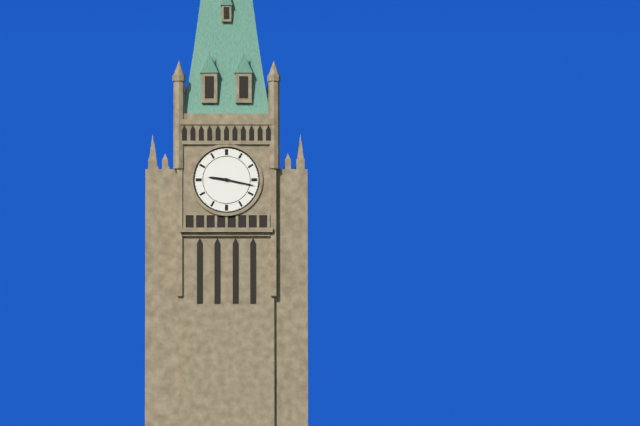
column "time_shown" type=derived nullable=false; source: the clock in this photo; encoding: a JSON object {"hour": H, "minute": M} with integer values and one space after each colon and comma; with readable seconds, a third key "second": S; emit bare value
{"hour": 9, "minute": 17}
